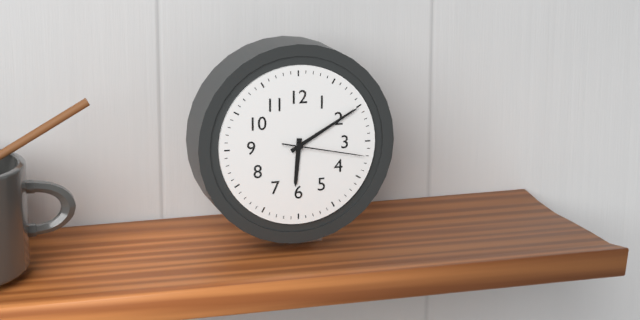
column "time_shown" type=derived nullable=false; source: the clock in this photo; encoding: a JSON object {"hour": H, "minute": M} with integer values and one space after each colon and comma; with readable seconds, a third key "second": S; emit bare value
{"hour": 6, "minute": 10, "second": 17}
